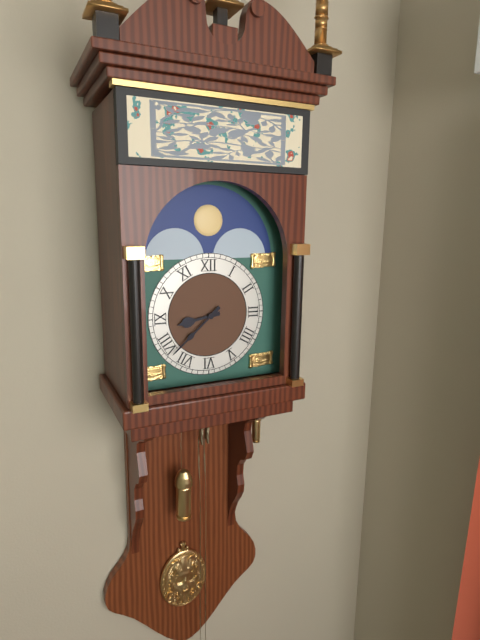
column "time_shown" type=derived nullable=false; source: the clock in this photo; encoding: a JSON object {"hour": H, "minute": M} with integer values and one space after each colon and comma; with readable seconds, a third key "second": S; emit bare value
{"hour": 8, "minute": 38}
